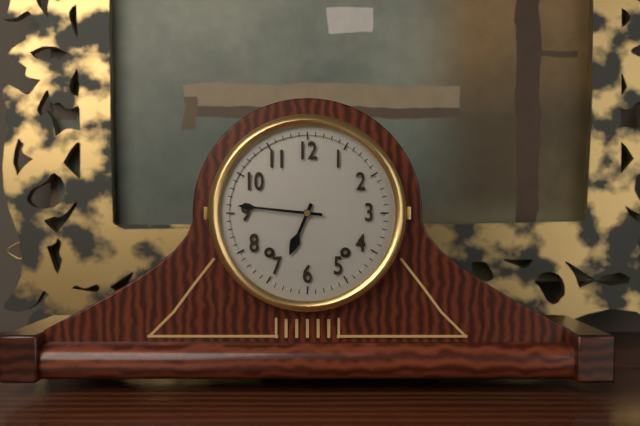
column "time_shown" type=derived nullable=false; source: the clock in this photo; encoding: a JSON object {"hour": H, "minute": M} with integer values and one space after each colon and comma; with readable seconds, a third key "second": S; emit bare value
{"hour": 6, "minute": 46}
